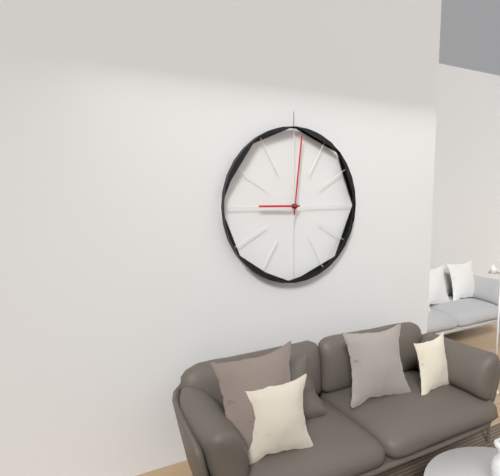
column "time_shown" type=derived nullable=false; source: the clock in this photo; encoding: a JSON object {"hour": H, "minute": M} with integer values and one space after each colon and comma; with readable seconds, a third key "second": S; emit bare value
{"hour": 9, "minute": 1}
